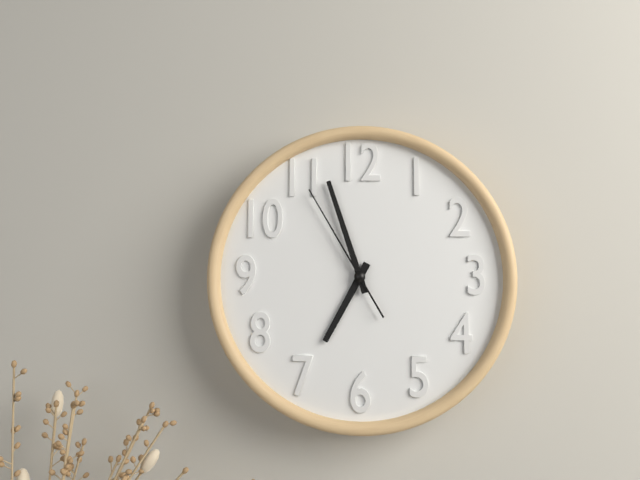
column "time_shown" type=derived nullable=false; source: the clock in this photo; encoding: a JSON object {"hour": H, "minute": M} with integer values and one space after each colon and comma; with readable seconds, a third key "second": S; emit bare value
{"hour": 6, "minute": 57, "second": 55}
